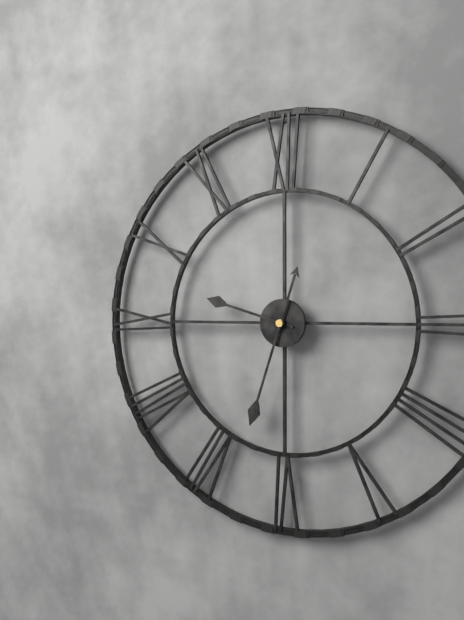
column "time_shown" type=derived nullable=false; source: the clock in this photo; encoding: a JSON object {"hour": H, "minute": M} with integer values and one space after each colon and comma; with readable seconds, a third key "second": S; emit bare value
{"hour": 9, "minute": 33}
